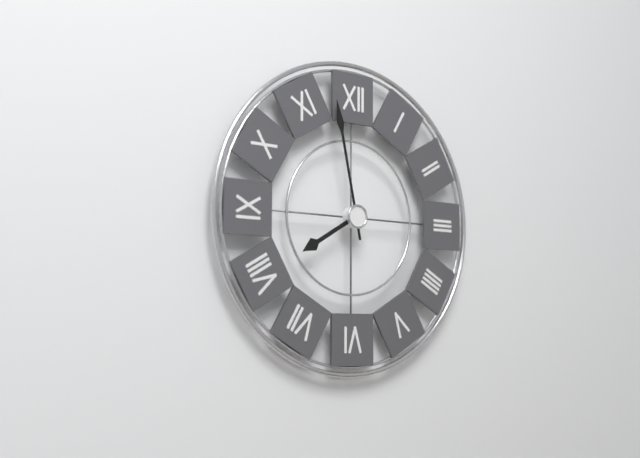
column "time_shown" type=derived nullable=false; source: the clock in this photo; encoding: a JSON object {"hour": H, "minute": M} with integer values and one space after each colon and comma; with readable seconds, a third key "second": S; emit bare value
{"hour": 7, "minute": 58}
